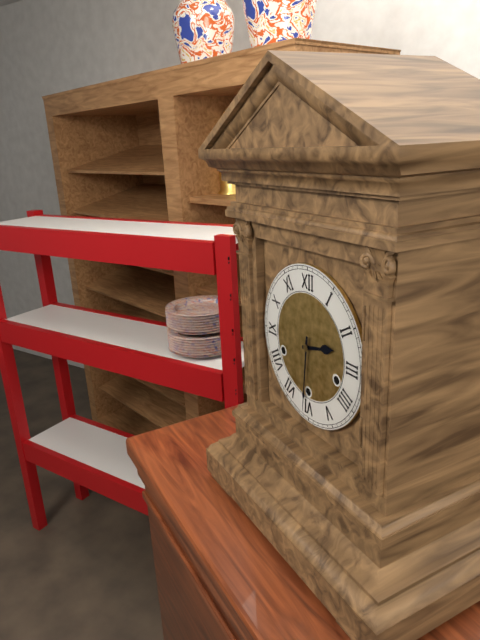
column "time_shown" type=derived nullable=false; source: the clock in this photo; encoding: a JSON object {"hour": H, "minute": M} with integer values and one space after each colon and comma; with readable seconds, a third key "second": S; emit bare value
{"hour": 2, "minute": 31}
